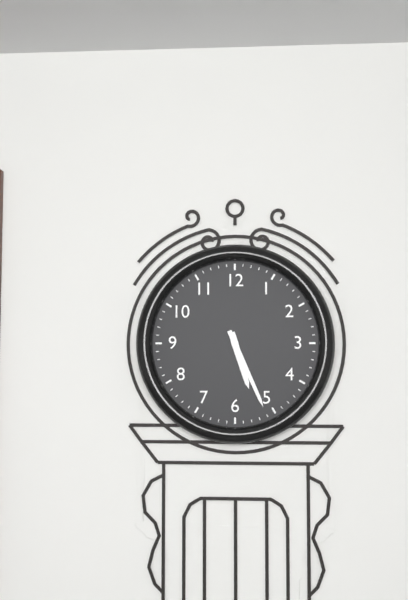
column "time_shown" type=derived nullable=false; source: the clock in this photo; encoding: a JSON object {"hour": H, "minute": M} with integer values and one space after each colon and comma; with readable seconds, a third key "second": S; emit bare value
{"hour": 5, "minute": 26}
